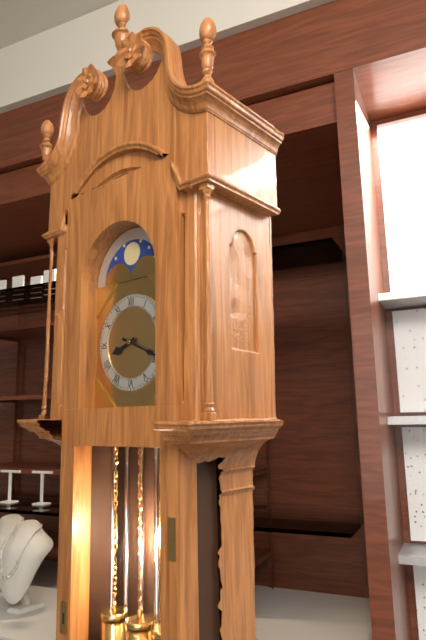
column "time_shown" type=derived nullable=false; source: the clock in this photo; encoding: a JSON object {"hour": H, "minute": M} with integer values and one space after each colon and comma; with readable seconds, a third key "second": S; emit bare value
{"hour": 8, "minute": 19}
